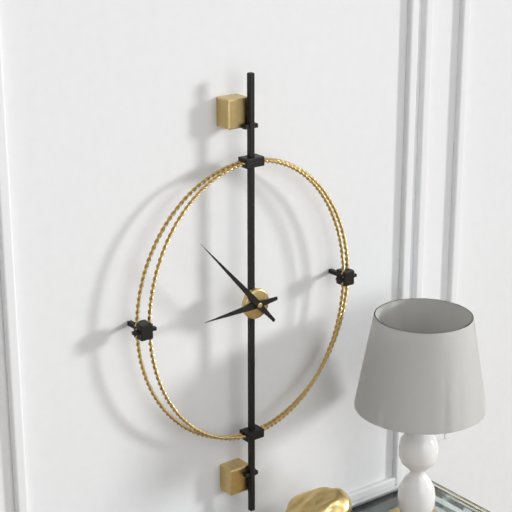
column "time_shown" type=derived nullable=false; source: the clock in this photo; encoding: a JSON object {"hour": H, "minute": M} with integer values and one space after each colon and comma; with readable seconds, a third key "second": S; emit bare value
{"hour": 8, "minute": 53}
